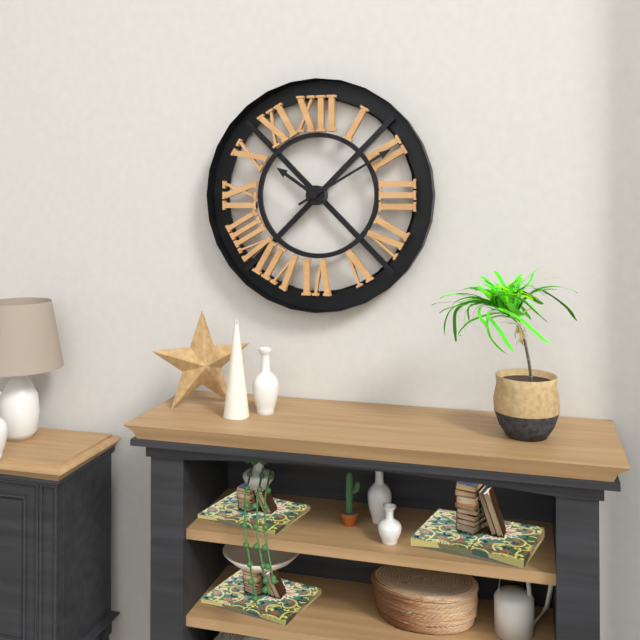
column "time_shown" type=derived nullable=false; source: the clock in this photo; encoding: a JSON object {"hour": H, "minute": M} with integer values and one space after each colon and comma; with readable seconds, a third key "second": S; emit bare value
{"hour": 10, "minute": 10}
